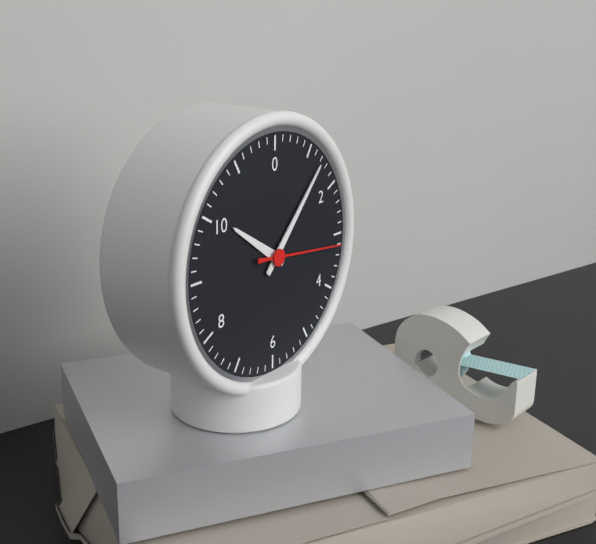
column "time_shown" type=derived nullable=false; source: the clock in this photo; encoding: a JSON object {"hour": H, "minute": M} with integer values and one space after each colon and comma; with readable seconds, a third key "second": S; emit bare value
{"hour": 10, "minute": 7, "second": 16}
